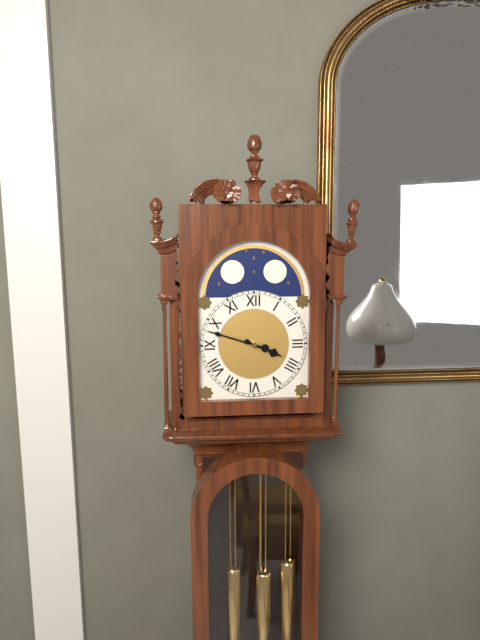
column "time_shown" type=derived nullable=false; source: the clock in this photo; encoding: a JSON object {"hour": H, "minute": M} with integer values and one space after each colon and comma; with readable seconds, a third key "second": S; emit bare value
{"hour": 3, "minute": 48}
